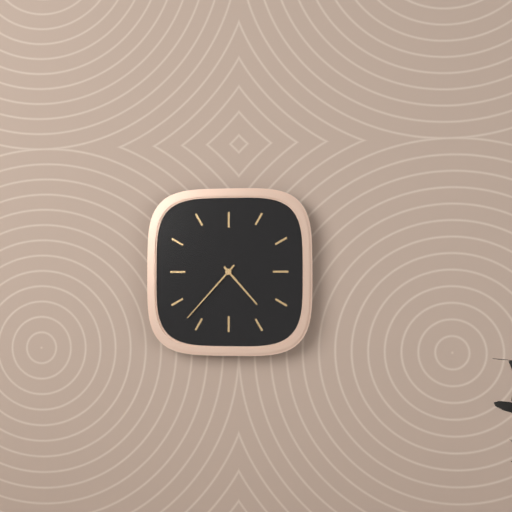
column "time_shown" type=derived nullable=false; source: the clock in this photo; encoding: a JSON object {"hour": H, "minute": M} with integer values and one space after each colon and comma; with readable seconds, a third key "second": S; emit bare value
{"hour": 4, "minute": 37}
